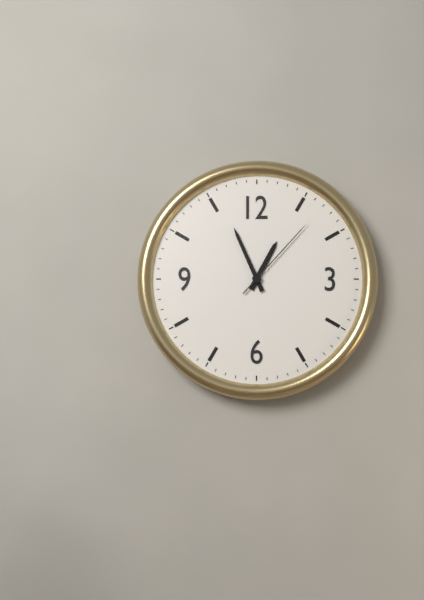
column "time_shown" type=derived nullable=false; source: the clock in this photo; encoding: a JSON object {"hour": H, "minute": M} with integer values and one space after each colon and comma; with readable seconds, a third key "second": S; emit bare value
{"hour": 12, "minute": 56, "second": 7}
